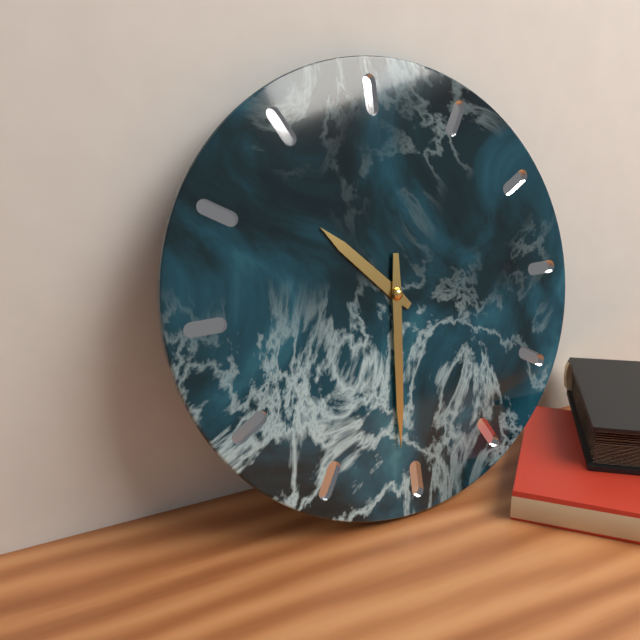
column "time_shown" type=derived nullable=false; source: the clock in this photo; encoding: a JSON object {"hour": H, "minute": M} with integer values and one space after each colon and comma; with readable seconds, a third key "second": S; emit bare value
{"hour": 10, "minute": 31}
